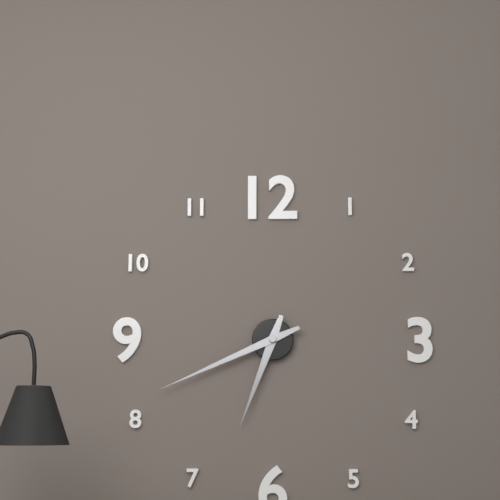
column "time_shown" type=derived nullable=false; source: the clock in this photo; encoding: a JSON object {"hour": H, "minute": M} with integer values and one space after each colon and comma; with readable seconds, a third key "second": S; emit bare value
{"hour": 6, "minute": 41}
